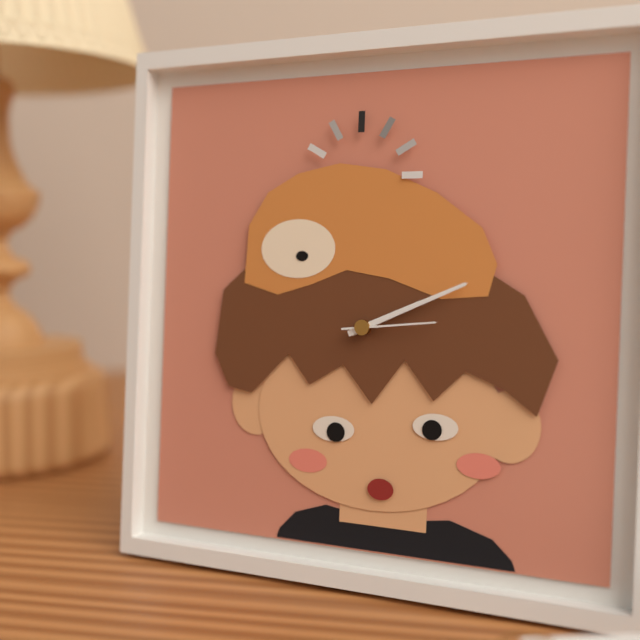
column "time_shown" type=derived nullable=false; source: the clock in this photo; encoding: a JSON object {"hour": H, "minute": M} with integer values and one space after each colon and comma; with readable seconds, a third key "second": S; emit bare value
{"hour": 2, "minute": 11, "second": 14}
